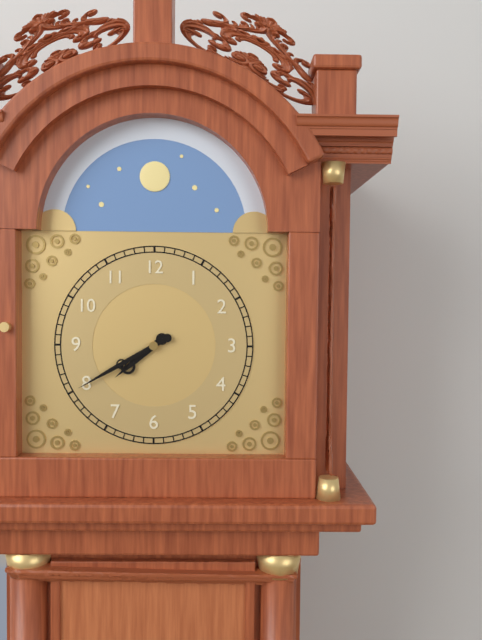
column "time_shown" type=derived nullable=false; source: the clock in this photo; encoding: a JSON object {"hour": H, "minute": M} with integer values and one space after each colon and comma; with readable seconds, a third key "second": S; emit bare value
{"hour": 7, "minute": 40}
